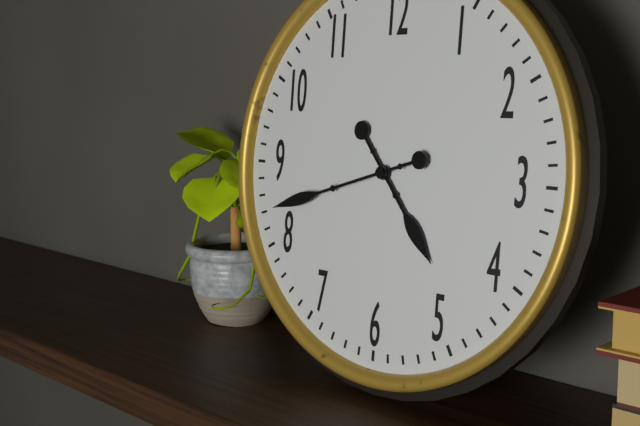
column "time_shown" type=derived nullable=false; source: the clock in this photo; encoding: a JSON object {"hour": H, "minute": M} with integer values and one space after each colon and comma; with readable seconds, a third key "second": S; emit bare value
{"hour": 4, "minute": 42}
